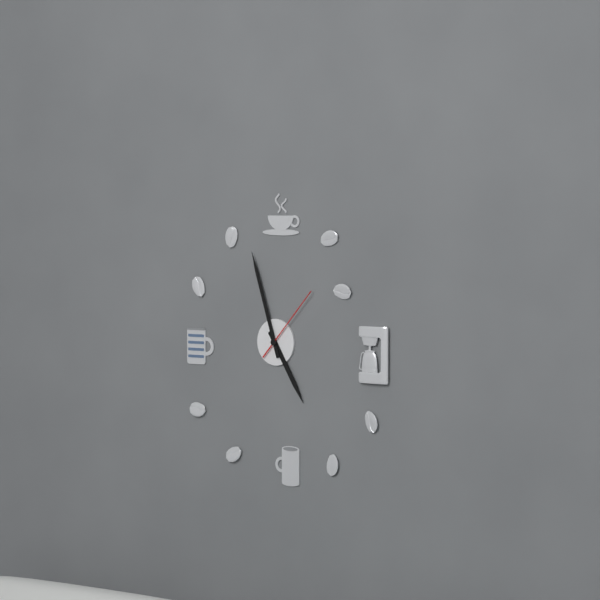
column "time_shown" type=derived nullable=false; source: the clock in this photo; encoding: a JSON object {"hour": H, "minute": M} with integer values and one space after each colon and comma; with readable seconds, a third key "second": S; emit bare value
{"hour": 4, "minute": 57, "second": 7}
